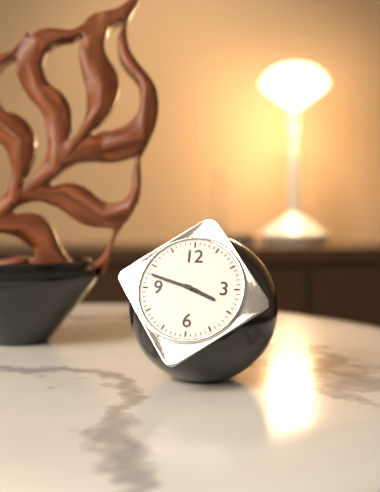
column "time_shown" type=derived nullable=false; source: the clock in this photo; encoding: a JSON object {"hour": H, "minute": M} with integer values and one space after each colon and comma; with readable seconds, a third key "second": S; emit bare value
{"hour": 3, "minute": 48}
